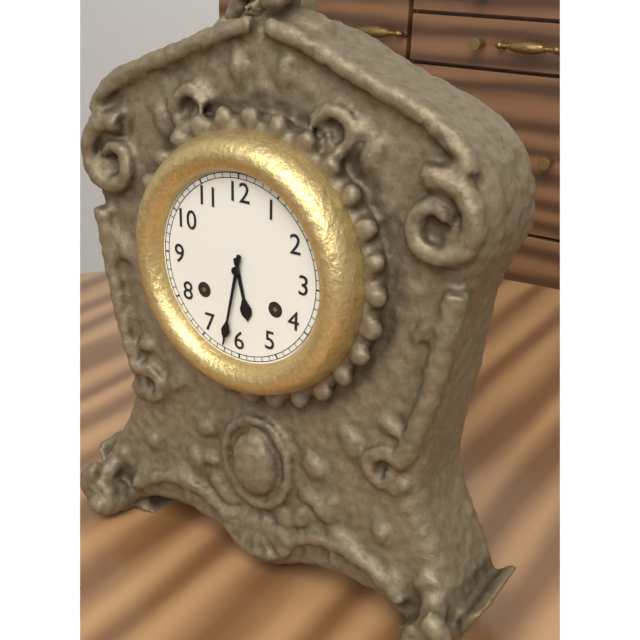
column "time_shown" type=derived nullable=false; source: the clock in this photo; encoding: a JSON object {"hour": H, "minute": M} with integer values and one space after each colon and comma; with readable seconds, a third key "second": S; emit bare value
{"hour": 5, "minute": 32}
